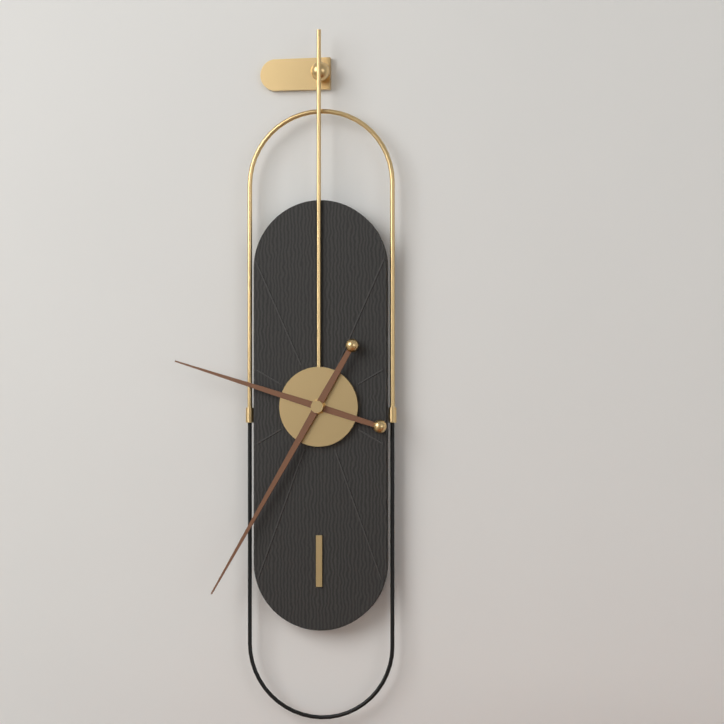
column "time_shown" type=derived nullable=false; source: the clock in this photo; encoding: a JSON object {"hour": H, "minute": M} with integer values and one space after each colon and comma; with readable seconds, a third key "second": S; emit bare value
{"hour": 9, "minute": 35}
